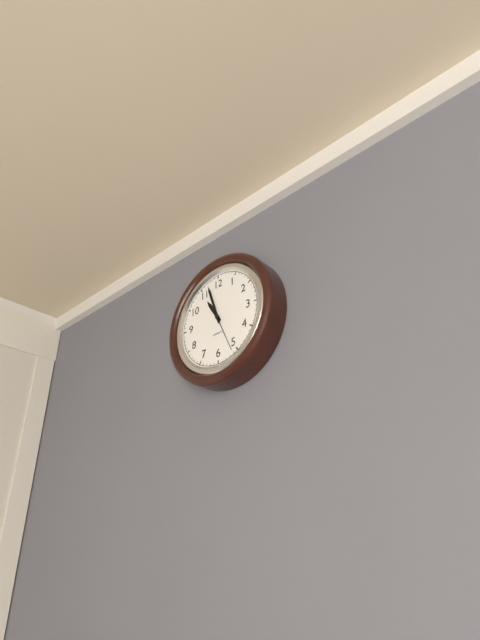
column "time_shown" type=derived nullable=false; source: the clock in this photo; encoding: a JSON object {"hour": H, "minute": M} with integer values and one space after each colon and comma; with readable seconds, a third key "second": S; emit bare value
{"hour": 10, "minute": 57}
